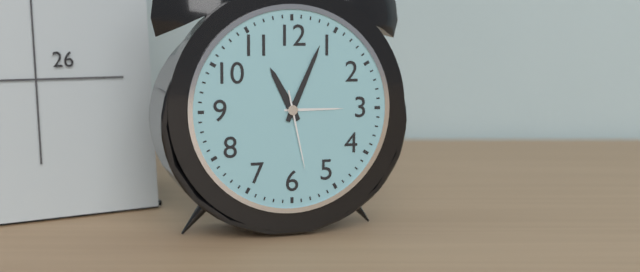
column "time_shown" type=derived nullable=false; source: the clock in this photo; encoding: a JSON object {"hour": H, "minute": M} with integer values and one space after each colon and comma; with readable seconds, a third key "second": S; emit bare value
{"hour": 11, "minute": 4, "second": 28}
